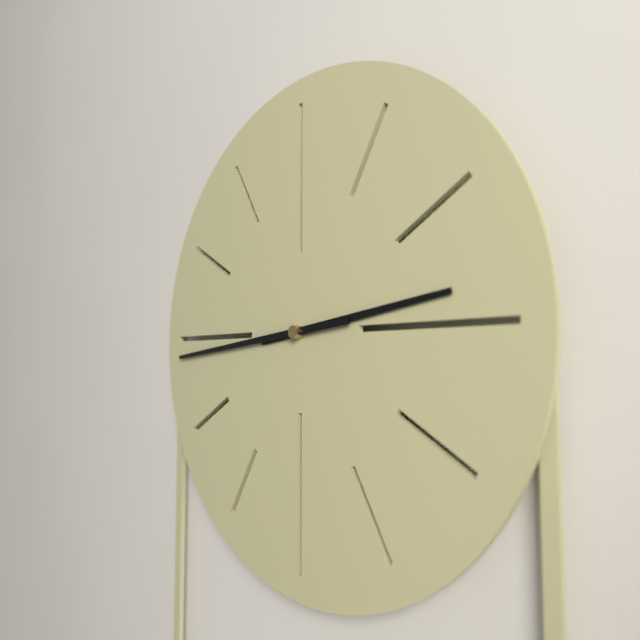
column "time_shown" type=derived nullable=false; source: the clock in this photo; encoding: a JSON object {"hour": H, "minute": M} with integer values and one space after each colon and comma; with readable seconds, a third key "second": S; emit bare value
{"hour": 2, "minute": 44}
